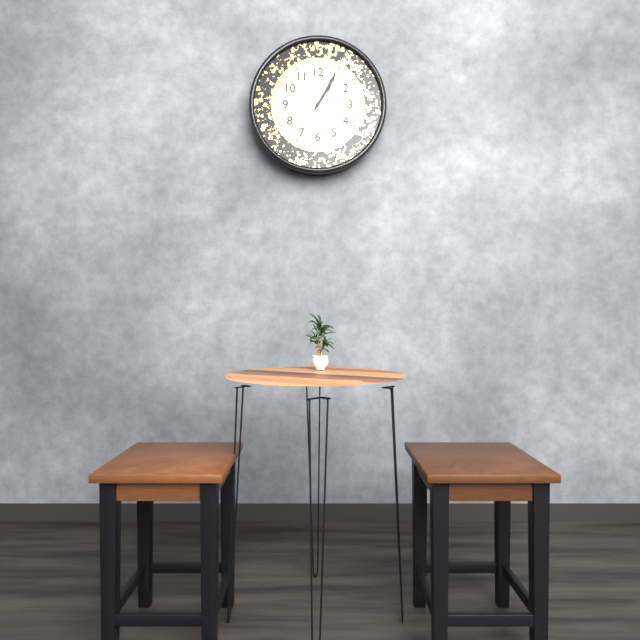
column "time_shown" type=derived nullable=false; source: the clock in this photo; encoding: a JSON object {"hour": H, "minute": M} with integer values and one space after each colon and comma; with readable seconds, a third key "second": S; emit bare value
{"hour": 1, "minute": 5}
